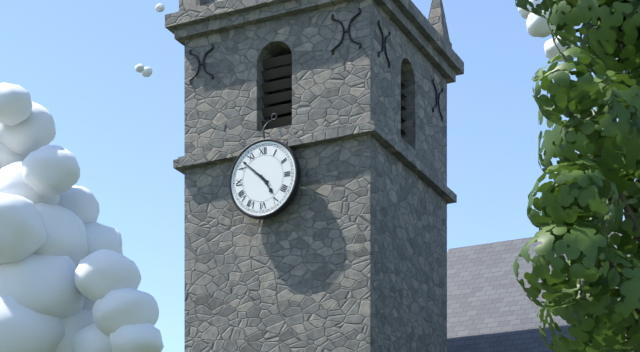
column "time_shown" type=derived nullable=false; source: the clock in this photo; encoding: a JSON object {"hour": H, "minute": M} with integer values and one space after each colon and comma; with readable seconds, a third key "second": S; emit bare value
{"hour": 4, "minute": 52}
